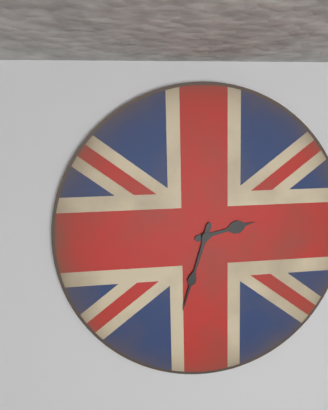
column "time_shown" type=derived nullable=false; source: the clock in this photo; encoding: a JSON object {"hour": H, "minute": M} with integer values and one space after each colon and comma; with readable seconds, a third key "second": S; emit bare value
{"hour": 2, "minute": 33}
